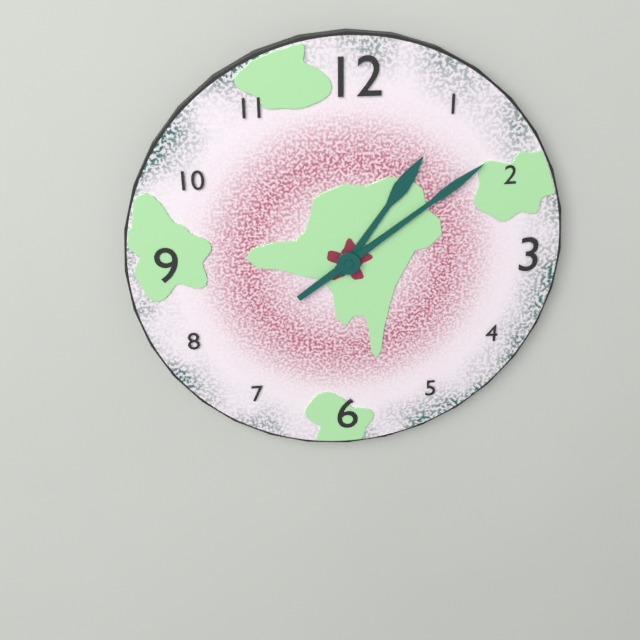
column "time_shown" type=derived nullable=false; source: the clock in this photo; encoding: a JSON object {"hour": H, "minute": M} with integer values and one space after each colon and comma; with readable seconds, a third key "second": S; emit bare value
{"hour": 1, "minute": 9}
